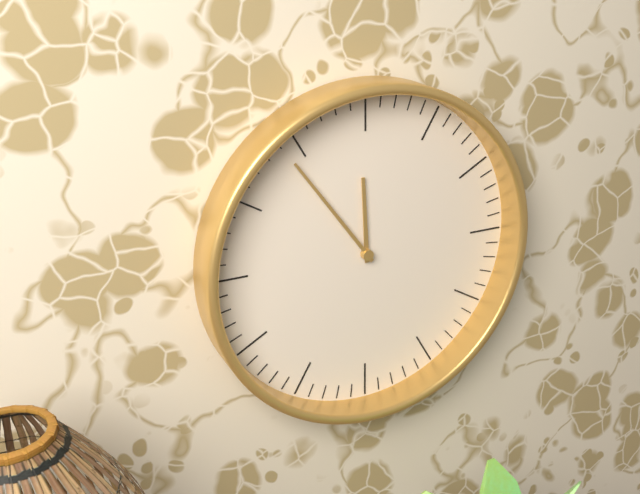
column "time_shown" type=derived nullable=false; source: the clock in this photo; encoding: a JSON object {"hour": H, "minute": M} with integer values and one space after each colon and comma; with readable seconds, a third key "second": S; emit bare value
{"hour": 11, "minute": 54}
